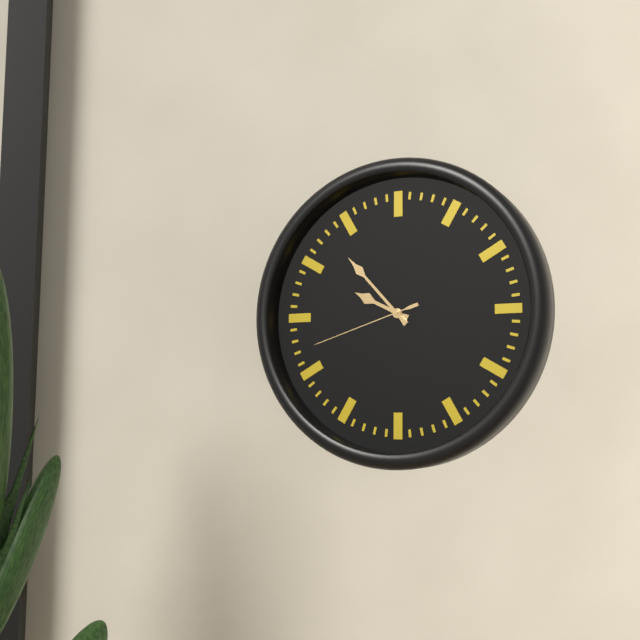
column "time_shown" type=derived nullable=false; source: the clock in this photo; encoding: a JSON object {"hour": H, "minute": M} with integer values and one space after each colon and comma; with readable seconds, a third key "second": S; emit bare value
{"hour": 9, "minute": 53, "second": 42}
